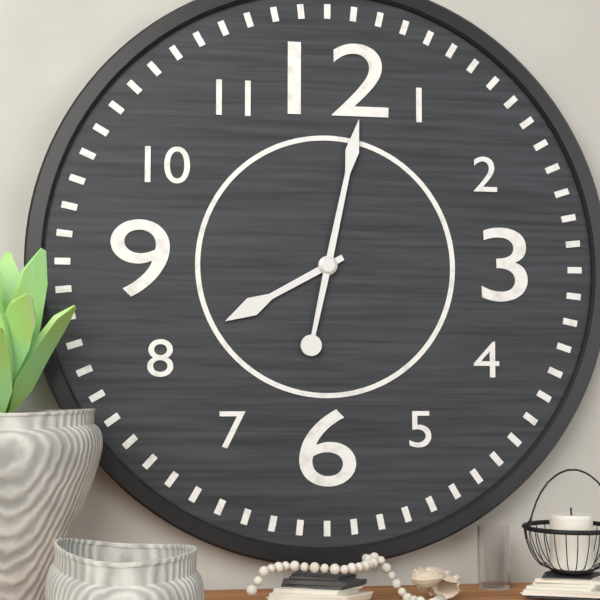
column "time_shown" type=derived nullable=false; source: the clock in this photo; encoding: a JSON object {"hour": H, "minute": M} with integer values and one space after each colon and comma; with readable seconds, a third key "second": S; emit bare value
{"hour": 8, "minute": 2}
